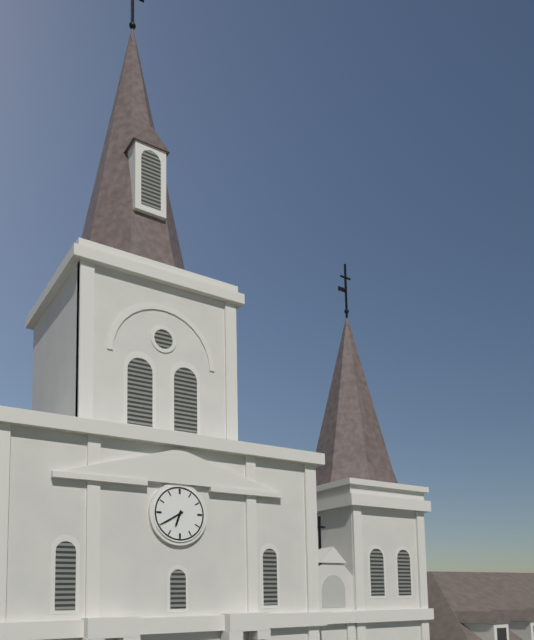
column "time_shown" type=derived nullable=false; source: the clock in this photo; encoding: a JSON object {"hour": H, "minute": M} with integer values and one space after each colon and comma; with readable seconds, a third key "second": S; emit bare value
{"hour": 6, "minute": 40}
